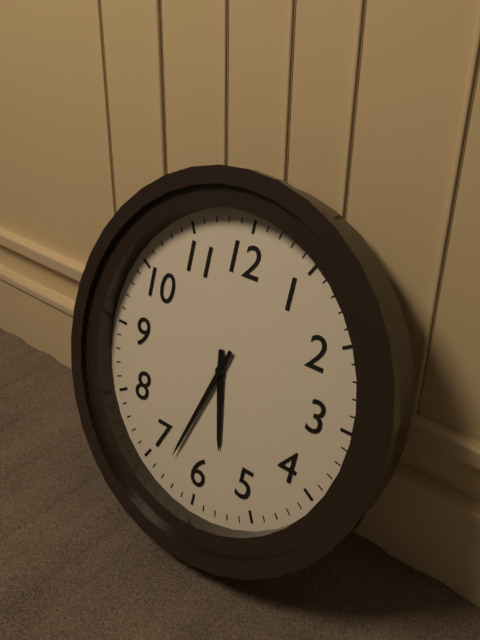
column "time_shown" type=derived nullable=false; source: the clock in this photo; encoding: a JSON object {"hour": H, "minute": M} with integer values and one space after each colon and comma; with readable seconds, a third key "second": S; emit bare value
{"hour": 5, "minute": 33}
